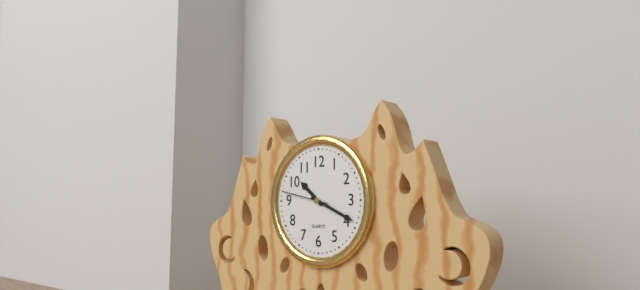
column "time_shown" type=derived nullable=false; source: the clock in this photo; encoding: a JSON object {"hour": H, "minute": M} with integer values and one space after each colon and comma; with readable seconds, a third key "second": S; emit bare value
{"hour": 10, "minute": 19, "second": 47}
